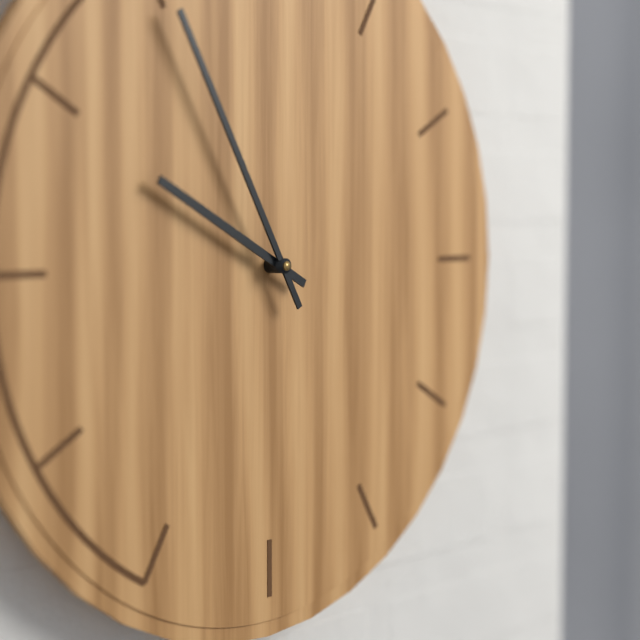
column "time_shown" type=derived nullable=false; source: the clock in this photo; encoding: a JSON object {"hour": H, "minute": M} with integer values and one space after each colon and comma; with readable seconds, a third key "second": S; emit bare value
{"hour": 9, "minute": 55}
